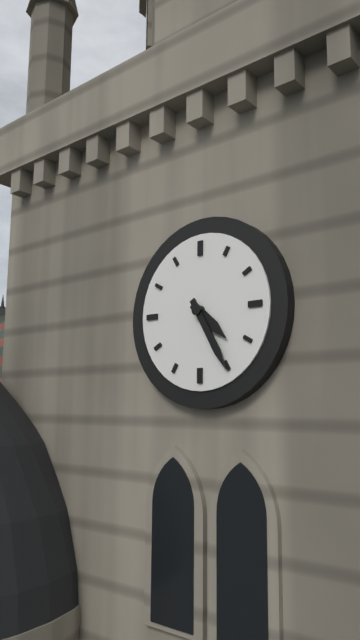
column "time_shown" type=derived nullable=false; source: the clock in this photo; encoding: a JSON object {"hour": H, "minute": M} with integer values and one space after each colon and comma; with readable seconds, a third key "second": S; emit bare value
{"hour": 4, "minute": 25}
